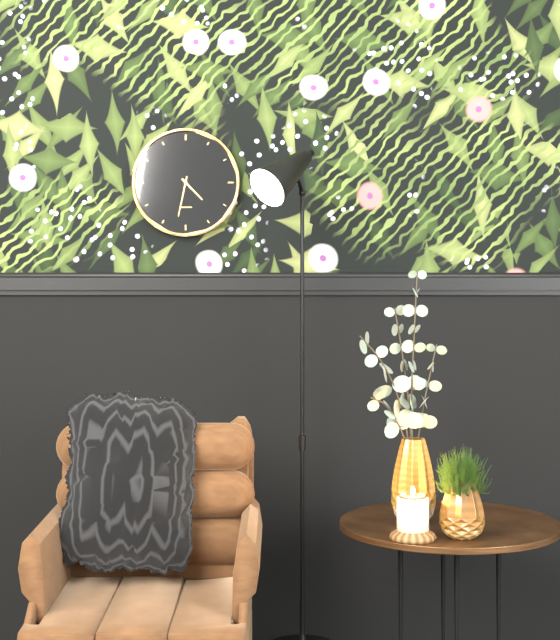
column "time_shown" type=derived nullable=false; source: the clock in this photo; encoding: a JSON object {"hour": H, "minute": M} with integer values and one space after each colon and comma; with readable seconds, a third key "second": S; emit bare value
{"hour": 4, "minute": 32}
